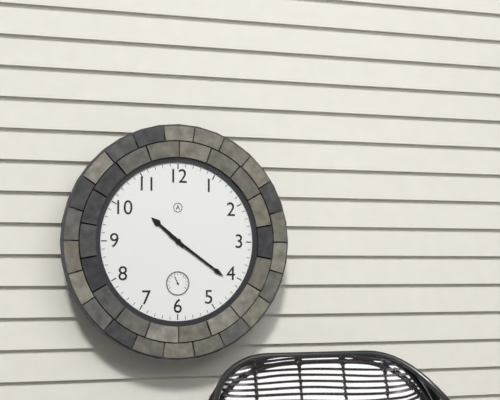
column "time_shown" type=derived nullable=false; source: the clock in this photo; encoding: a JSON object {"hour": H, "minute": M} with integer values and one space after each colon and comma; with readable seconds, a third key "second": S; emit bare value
{"hour": 10, "minute": 21}
